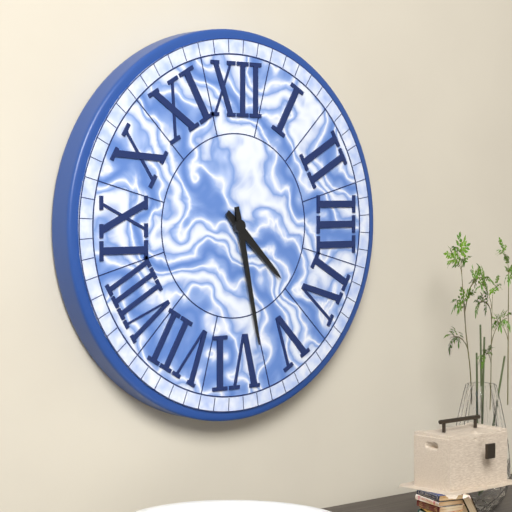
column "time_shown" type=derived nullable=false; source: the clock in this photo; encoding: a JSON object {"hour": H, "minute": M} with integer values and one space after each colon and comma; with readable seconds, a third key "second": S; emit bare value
{"hour": 4, "minute": 28}
